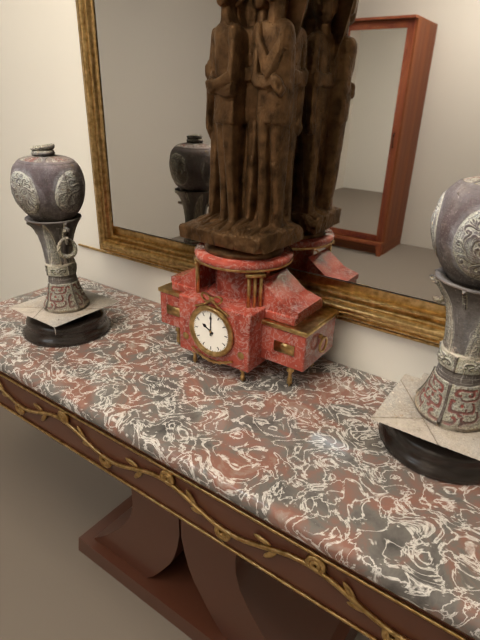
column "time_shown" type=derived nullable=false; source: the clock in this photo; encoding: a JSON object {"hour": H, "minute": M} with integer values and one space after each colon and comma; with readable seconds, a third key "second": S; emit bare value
{"hour": 10, "minute": 0}
